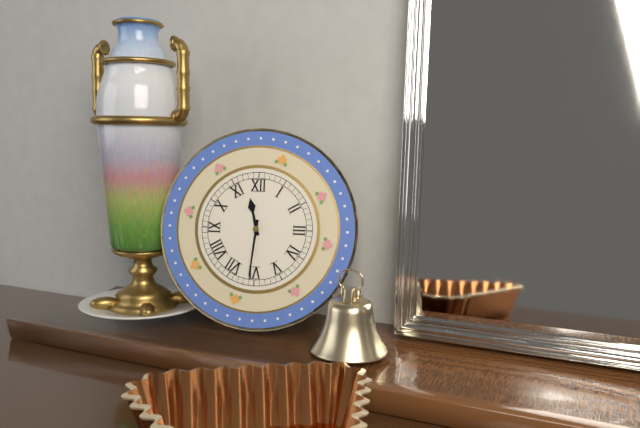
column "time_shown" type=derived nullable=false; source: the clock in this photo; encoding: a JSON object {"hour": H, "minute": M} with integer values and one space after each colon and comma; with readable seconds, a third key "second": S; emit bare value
{"hour": 11, "minute": 31}
